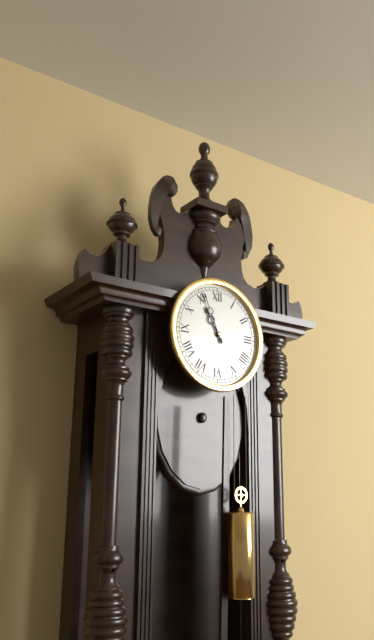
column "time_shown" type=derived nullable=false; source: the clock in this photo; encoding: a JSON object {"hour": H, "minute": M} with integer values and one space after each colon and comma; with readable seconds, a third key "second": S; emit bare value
{"hour": 10, "minute": 56}
